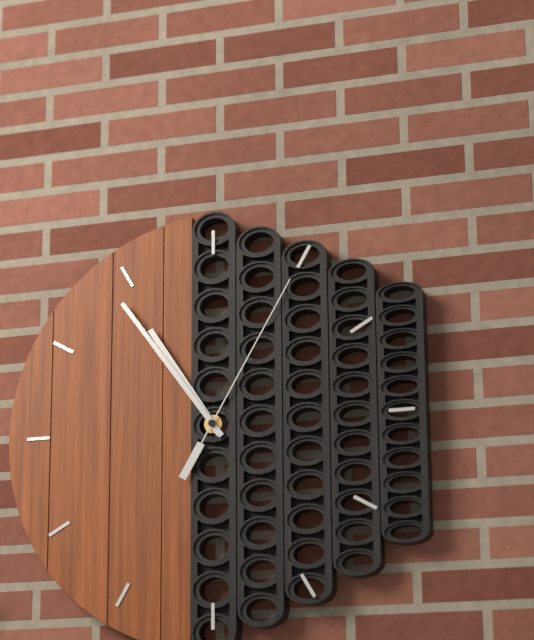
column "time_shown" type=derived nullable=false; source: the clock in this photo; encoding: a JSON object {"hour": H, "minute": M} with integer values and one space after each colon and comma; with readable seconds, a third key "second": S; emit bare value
{"hour": 10, "minute": 54, "second": 5}
